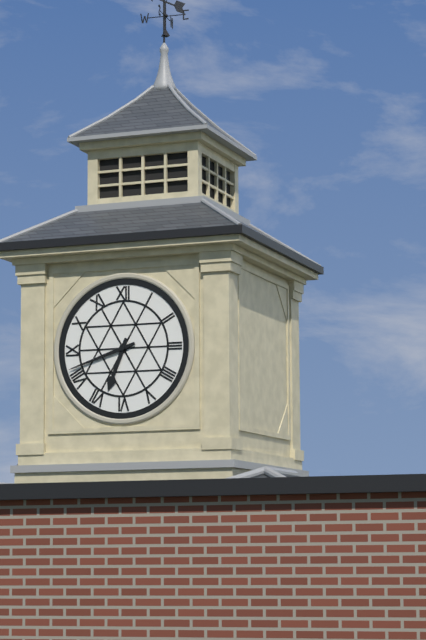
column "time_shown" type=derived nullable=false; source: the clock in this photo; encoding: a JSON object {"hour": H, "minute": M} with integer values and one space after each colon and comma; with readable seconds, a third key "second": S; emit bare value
{"hour": 6, "minute": 42}
